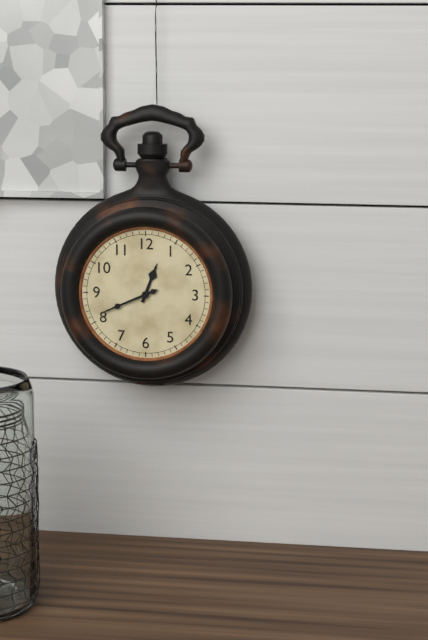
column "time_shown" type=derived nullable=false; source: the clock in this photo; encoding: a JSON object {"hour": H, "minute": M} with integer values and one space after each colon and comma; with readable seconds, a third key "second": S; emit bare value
{"hour": 12, "minute": 41}
